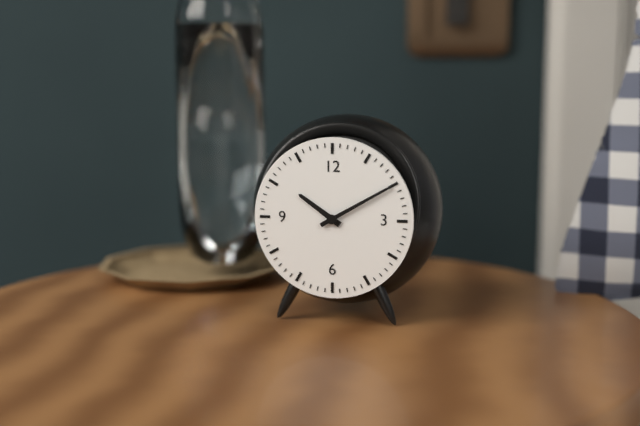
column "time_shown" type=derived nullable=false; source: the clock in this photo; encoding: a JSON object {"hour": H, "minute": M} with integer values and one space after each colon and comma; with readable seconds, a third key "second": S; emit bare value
{"hour": 10, "minute": 10}
